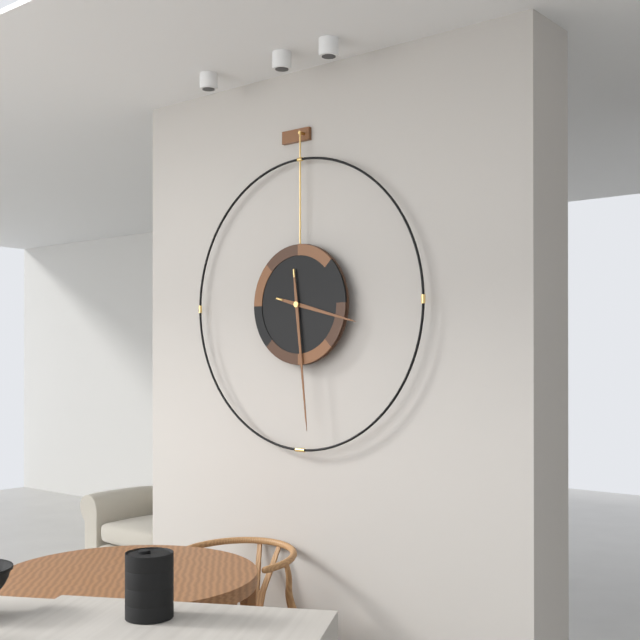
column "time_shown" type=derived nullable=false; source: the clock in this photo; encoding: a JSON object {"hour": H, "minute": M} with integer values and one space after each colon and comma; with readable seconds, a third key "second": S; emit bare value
{"hour": 3, "minute": 29}
